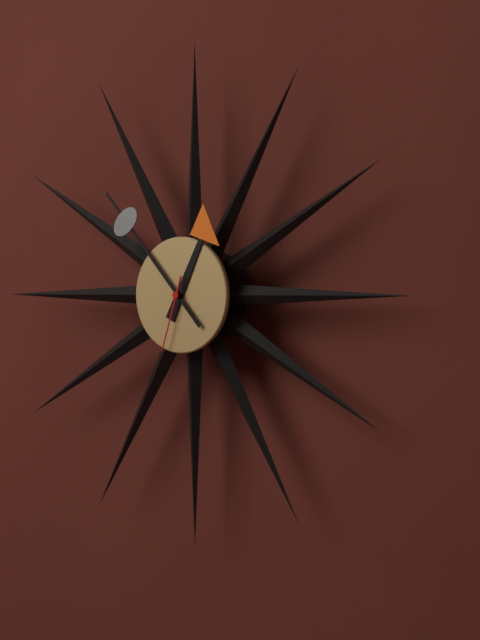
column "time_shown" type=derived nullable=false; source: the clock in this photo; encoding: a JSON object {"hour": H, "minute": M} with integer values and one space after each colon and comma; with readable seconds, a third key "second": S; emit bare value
{"hour": 12, "minute": 53, "second": 33}
